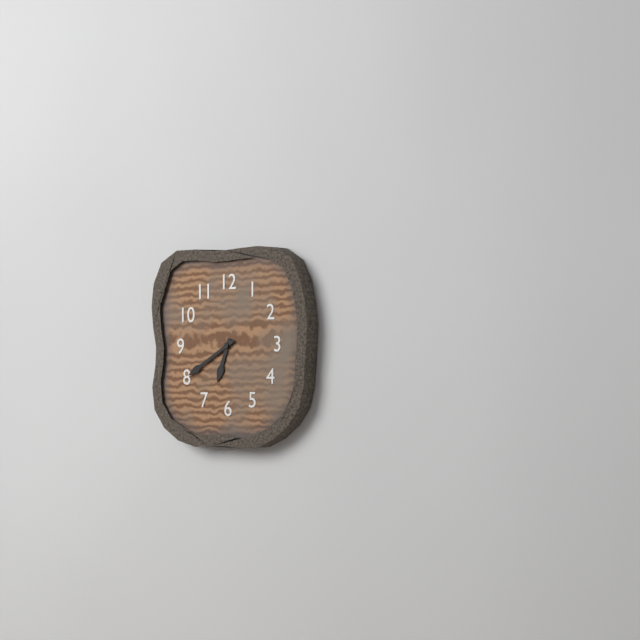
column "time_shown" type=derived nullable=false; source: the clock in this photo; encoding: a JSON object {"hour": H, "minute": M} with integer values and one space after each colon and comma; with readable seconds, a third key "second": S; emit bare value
{"hour": 6, "minute": 40}
